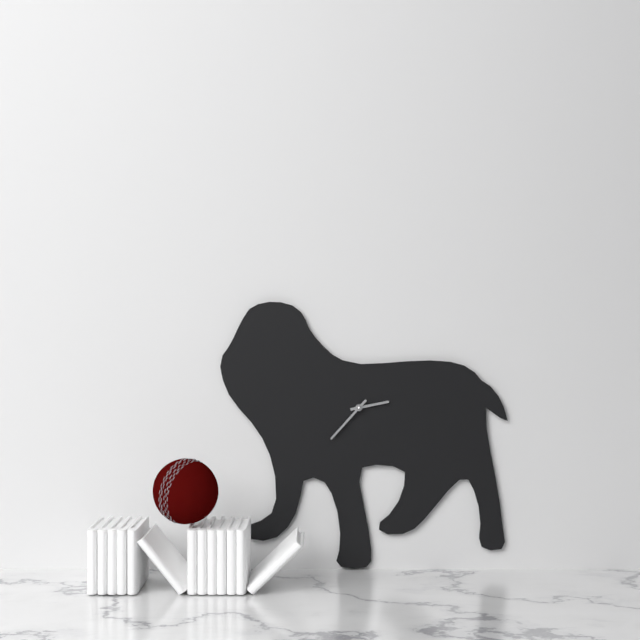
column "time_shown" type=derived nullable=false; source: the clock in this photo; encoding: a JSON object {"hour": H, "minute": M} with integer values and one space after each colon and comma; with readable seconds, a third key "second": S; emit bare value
{"hour": 2, "minute": 37}
